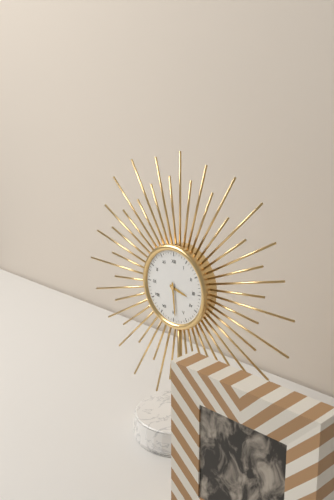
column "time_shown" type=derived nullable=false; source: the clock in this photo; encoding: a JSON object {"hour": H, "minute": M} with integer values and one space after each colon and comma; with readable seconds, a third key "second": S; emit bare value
{"hour": 3, "minute": 29}
